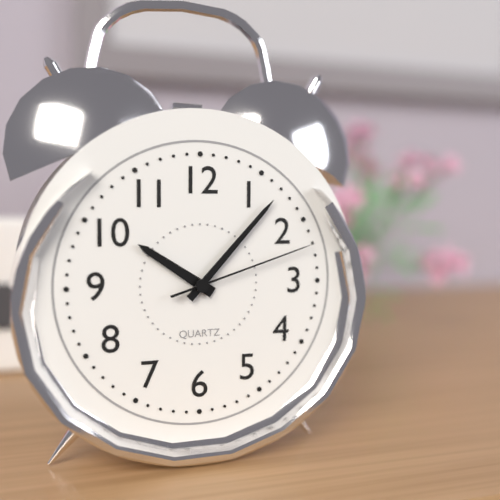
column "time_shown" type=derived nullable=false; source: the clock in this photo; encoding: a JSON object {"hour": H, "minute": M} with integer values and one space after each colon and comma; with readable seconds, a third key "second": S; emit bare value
{"hour": 10, "minute": 7, "second": 12}
